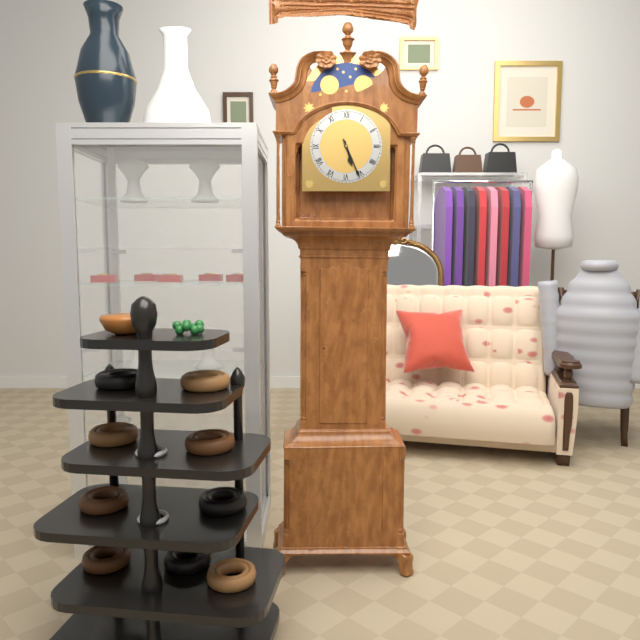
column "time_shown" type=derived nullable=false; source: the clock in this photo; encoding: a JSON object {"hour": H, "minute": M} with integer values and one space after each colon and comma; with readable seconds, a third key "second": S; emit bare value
{"hour": 5, "minute": 26}
